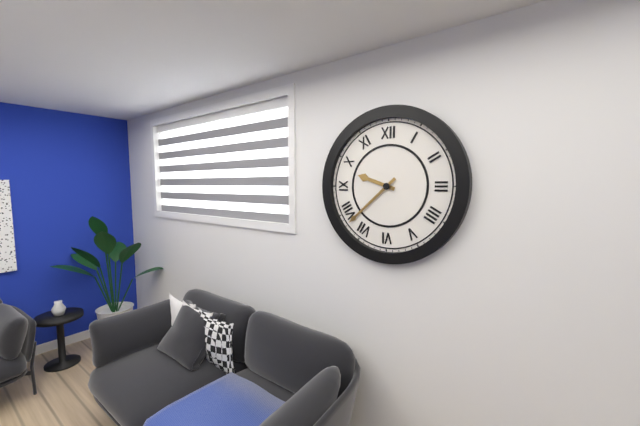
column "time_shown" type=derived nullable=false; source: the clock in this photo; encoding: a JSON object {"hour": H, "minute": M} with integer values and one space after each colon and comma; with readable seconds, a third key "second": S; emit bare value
{"hour": 9, "minute": 38}
